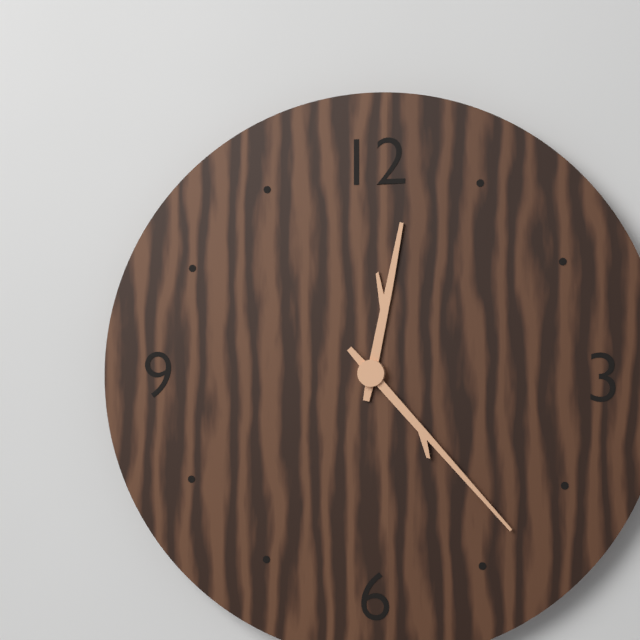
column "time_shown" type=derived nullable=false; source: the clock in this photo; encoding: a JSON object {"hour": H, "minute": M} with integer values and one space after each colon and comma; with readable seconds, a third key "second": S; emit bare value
{"hour": 12, "minute": 23}
